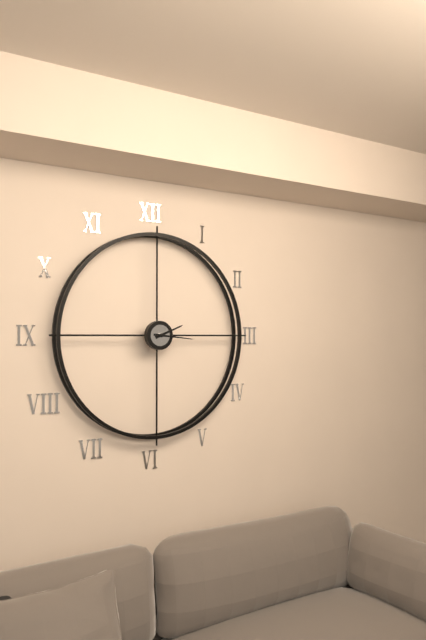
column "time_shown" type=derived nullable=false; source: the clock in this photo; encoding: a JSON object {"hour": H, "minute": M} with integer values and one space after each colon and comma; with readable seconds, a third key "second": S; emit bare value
{"hour": 2, "minute": 16}
